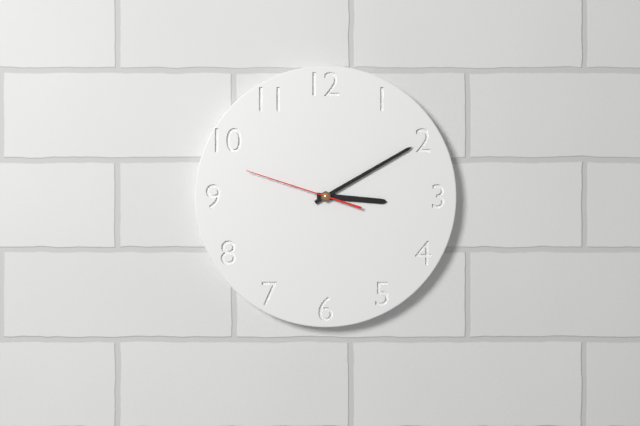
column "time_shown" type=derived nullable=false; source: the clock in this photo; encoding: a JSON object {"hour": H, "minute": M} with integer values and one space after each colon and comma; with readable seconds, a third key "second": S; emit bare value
{"hour": 3, "minute": 10, "second": 48}
